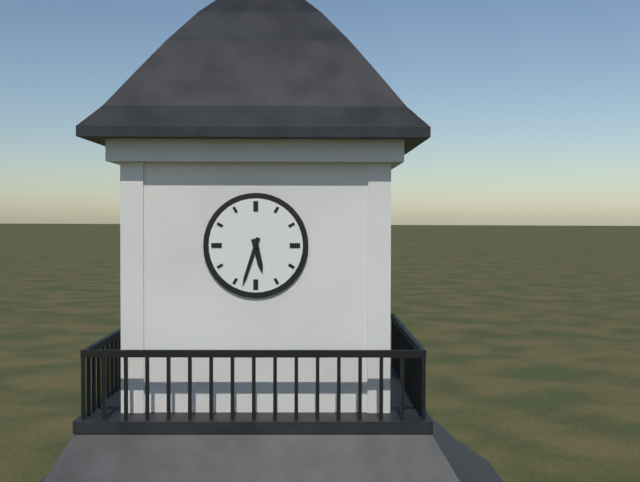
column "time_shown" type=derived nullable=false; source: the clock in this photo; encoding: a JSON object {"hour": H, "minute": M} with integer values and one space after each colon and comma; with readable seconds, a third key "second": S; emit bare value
{"hour": 5, "minute": 33}
